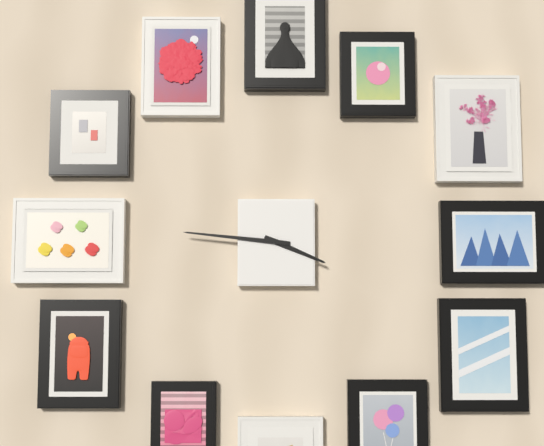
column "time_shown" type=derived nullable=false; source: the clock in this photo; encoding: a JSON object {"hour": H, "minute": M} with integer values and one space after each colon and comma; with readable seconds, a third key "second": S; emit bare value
{"hour": 3, "minute": 46}
